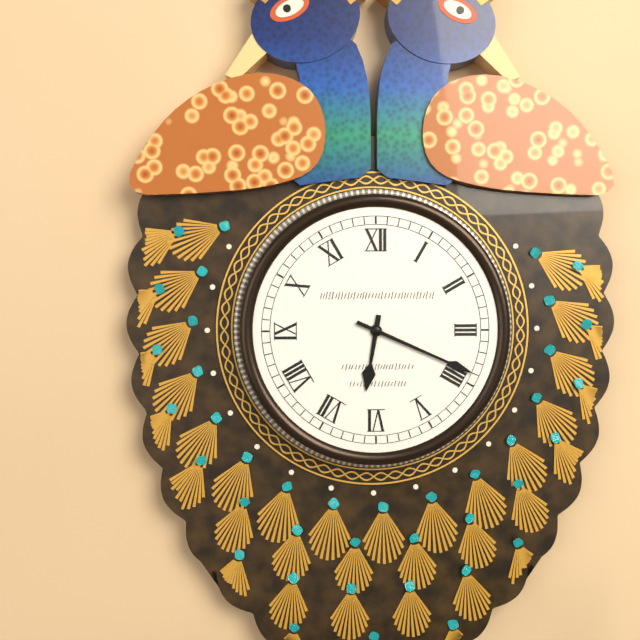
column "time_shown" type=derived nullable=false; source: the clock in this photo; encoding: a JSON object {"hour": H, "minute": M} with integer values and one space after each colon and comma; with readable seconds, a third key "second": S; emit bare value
{"hour": 6, "minute": 19}
